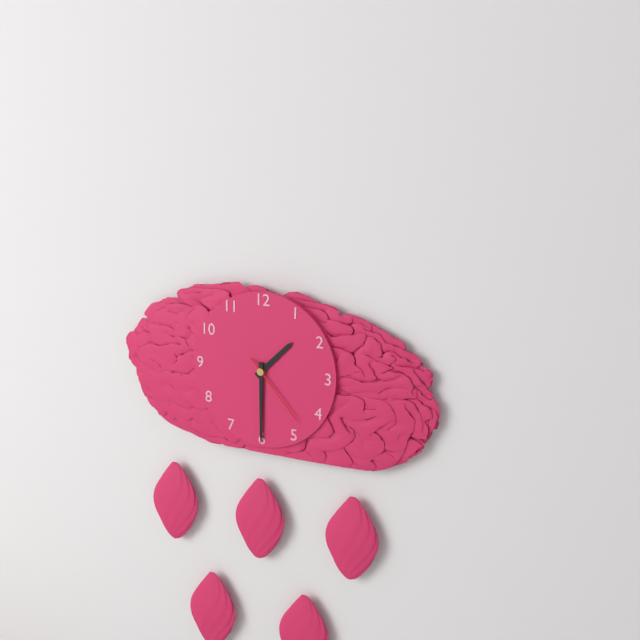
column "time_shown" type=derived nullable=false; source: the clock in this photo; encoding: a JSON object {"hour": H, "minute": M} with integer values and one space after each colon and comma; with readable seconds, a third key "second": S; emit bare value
{"hour": 1, "minute": 30, "second": 23}
